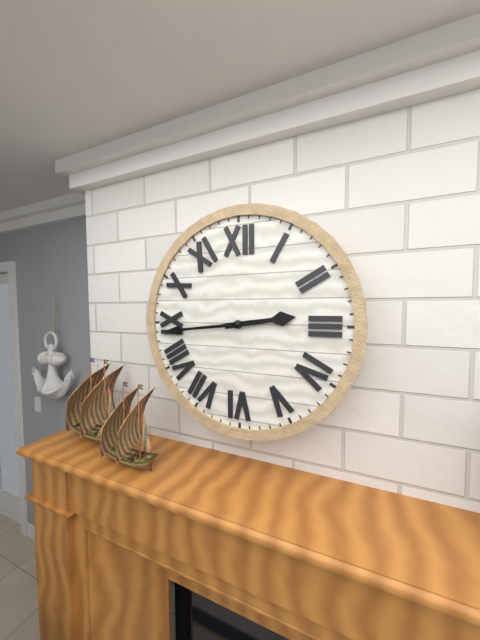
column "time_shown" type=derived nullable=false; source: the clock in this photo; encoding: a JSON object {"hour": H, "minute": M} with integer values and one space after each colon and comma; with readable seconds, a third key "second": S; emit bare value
{"hour": 2, "minute": 44}
